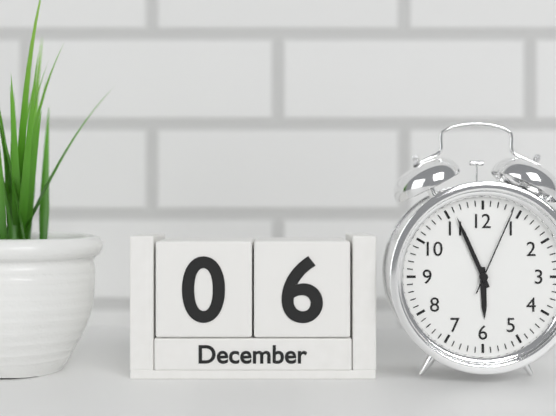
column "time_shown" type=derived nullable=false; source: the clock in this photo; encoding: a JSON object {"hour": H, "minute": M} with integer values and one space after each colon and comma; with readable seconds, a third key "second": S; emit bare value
{"hour": 5, "minute": 56, "second": 4}
